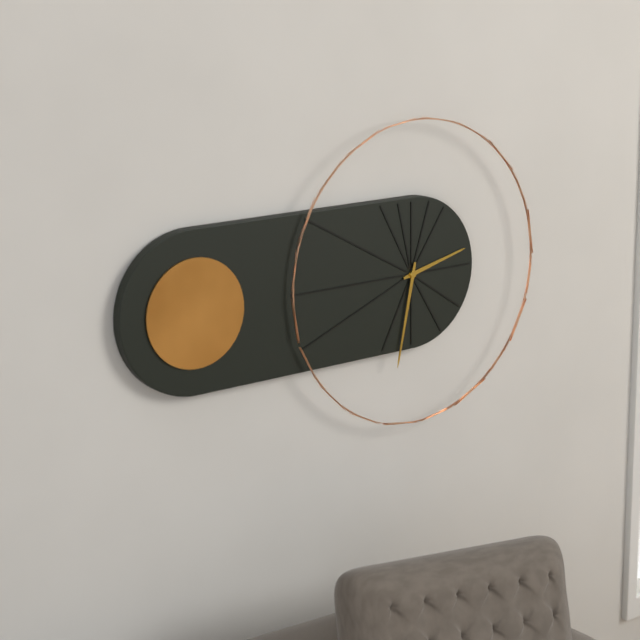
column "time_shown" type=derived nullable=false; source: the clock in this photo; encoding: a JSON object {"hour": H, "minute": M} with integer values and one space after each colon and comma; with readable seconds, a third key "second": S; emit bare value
{"hour": 2, "minute": 32}
